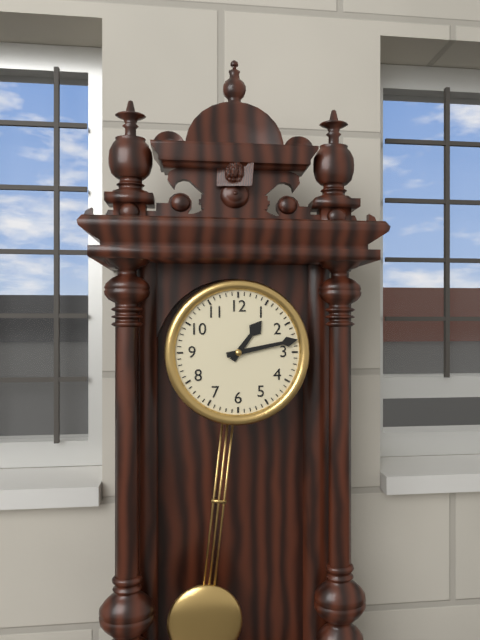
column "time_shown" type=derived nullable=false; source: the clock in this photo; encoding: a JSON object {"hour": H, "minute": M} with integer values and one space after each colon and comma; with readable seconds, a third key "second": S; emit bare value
{"hour": 1, "minute": 13}
